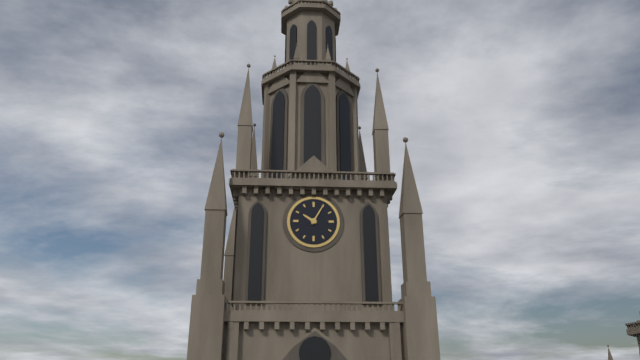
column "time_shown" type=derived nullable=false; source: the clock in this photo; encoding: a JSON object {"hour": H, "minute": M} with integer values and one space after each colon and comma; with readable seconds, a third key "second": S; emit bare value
{"hour": 10, "minute": 5}
